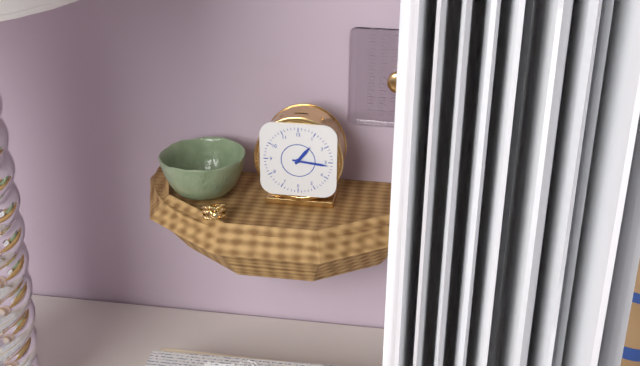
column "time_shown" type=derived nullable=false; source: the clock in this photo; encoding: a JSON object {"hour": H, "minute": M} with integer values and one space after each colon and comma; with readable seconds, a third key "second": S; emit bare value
{"hour": 1, "minute": 16}
